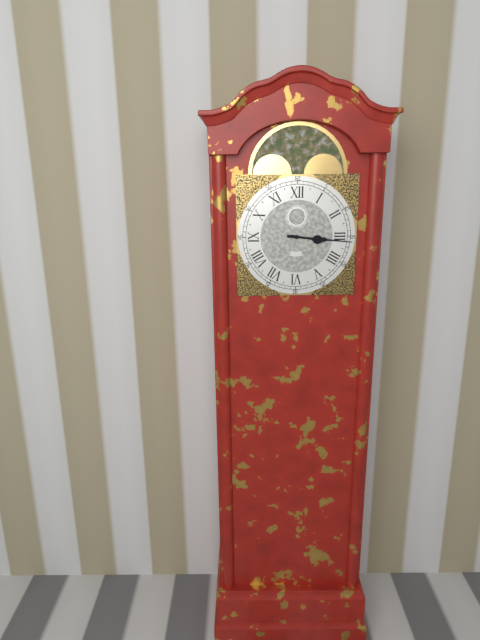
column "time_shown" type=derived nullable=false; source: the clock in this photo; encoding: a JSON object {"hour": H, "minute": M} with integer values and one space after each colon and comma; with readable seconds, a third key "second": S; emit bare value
{"hour": 3, "minute": 16}
